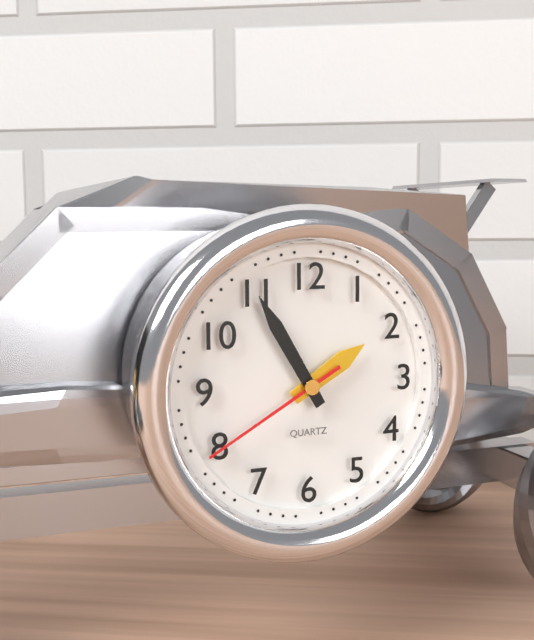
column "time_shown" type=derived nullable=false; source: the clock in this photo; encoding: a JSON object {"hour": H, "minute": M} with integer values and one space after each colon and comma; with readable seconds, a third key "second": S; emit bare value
{"hour": 1, "minute": 55, "second": 40}
